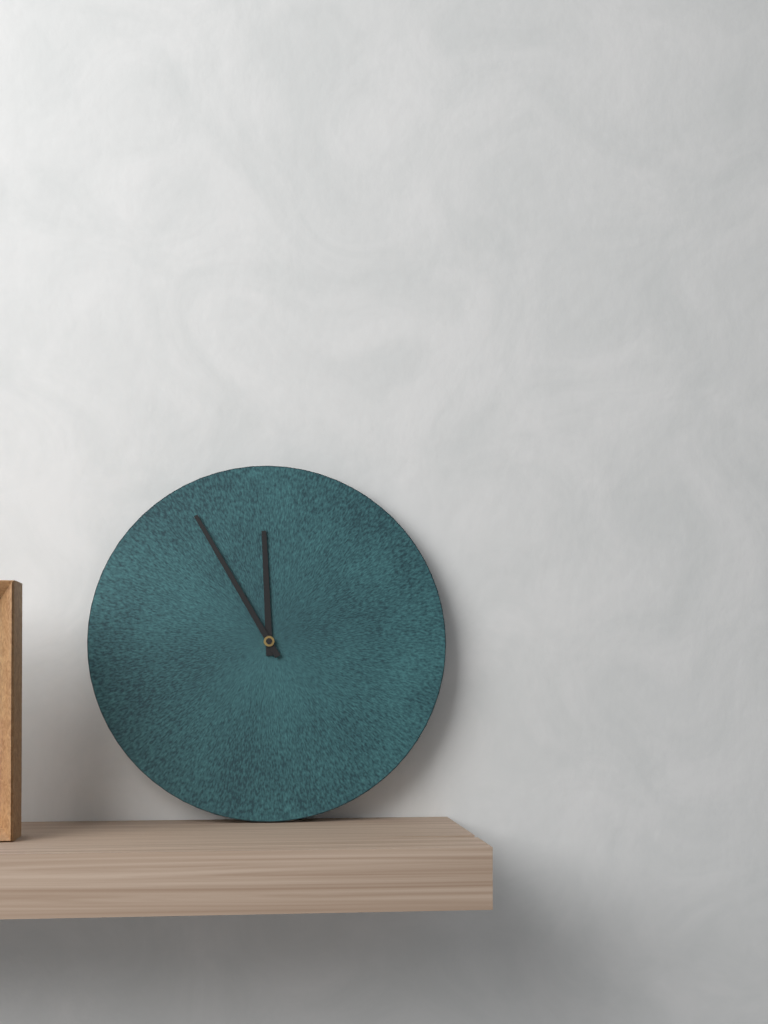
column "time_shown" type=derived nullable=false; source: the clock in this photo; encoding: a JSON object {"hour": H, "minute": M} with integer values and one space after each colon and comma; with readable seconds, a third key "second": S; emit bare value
{"hour": 11, "minute": 55}
